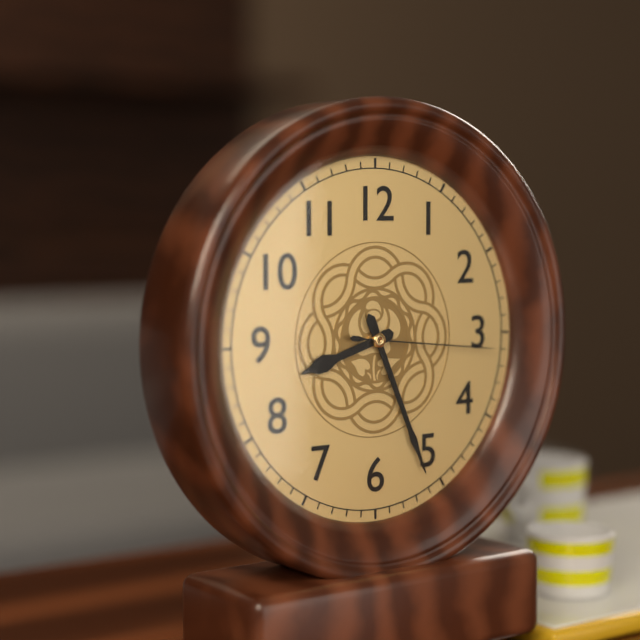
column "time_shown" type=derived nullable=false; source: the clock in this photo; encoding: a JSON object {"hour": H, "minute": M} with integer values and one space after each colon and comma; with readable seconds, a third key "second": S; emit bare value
{"hour": 8, "minute": 26, "second": 16}
